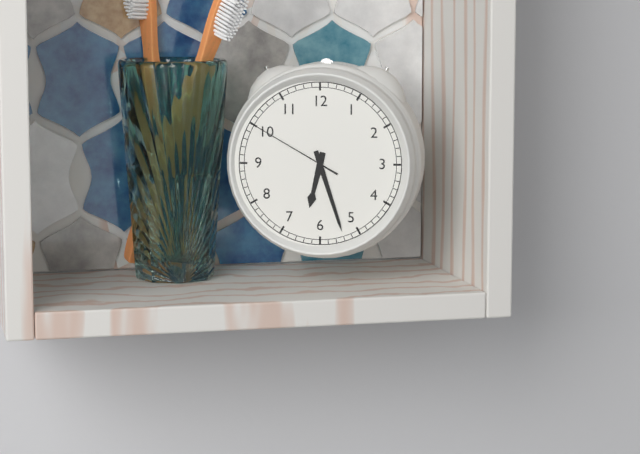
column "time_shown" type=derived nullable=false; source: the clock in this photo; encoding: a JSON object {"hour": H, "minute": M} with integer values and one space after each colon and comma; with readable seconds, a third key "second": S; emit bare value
{"hour": 6, "minute": 27, "second": 50}
